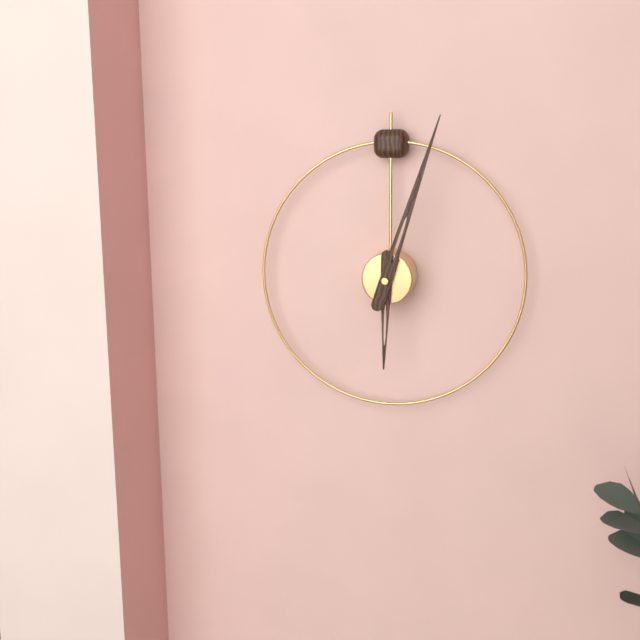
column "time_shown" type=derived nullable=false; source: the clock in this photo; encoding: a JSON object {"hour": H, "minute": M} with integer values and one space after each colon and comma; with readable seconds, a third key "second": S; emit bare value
{"hour": 6, "minute": 3}
